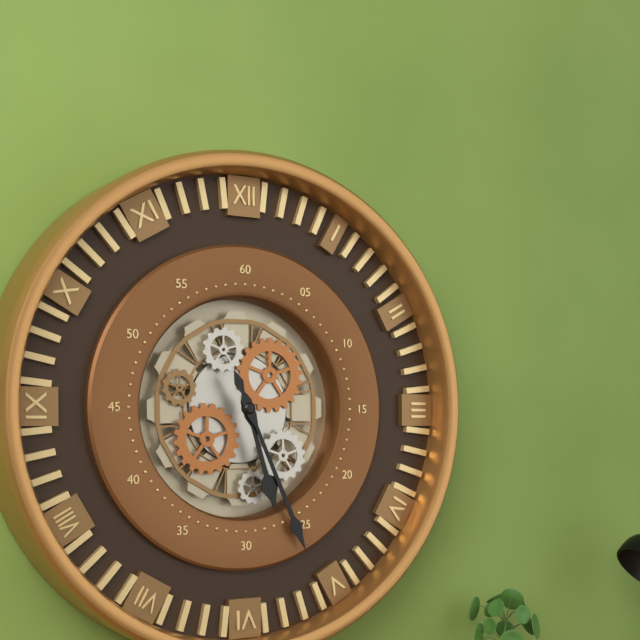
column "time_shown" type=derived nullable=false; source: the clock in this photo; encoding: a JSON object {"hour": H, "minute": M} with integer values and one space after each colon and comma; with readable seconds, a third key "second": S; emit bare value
{"hour": 5, "minute": 26}
